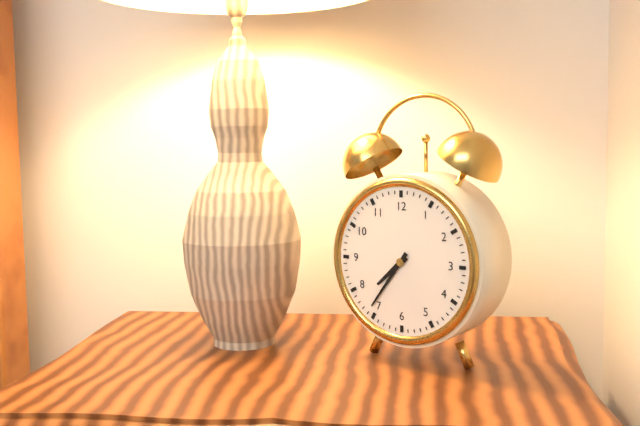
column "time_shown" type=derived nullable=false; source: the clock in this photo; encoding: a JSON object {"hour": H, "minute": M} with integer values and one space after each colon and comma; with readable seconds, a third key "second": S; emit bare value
{"hour": 7, "minute": 36}
